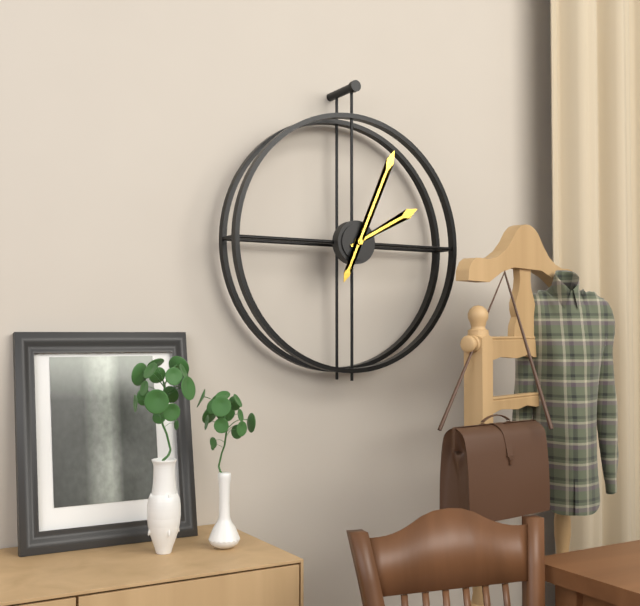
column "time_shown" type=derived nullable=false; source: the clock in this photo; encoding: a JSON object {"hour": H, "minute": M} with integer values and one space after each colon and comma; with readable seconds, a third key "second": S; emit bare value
{"hour": 2, "minute": 4}
